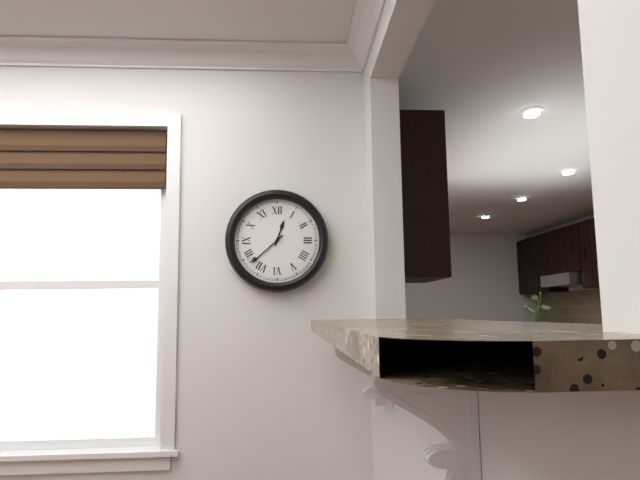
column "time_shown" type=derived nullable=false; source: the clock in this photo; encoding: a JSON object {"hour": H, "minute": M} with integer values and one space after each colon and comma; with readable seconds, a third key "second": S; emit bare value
{"hour": 12, "minute": 38}
